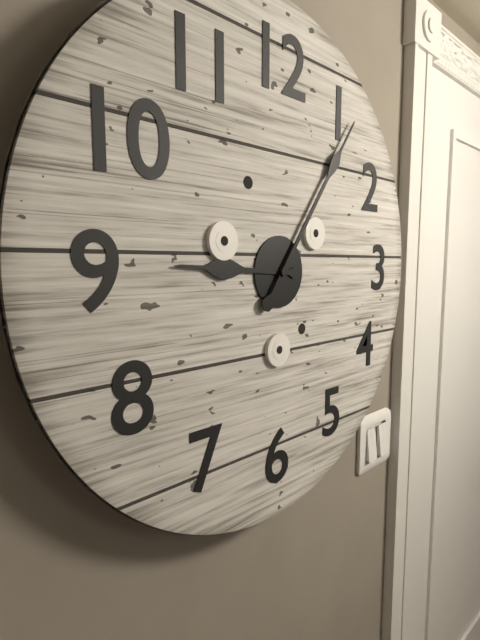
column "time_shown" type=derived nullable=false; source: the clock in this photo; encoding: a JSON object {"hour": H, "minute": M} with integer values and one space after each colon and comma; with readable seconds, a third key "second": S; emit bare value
{"hour": 9, "minute": 6}
